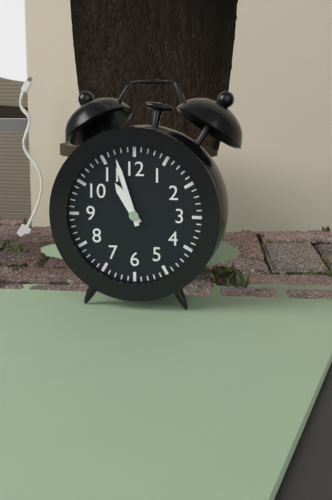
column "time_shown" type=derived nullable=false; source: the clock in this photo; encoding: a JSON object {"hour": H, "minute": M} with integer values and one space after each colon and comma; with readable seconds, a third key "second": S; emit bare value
{"hour": 10, "minute": 57}
